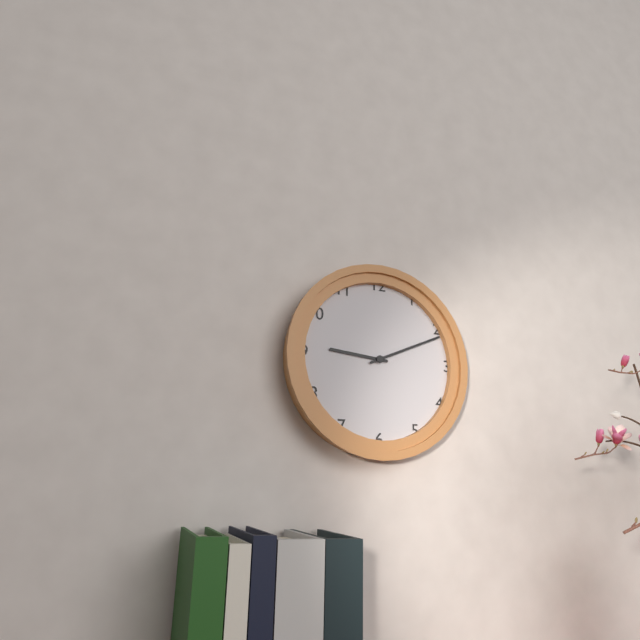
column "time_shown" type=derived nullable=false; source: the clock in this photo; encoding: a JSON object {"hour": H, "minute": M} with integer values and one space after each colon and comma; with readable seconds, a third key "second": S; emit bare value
{"hour": 9, "minute": 11}
